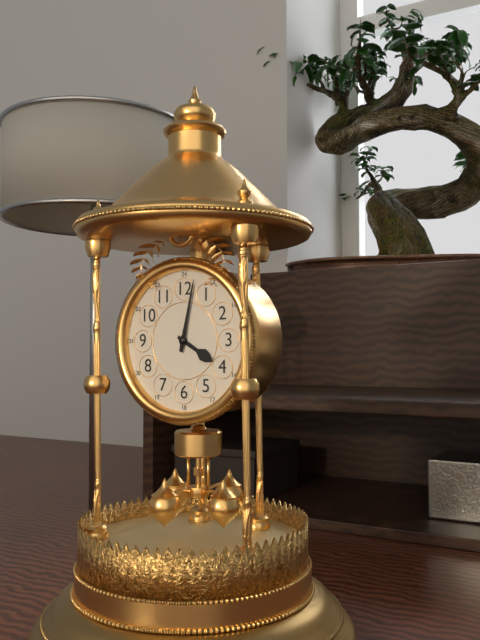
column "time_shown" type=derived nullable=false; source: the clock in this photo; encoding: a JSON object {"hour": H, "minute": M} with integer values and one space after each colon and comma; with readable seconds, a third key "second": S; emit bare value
{"hour": 4, "minute": 2}
